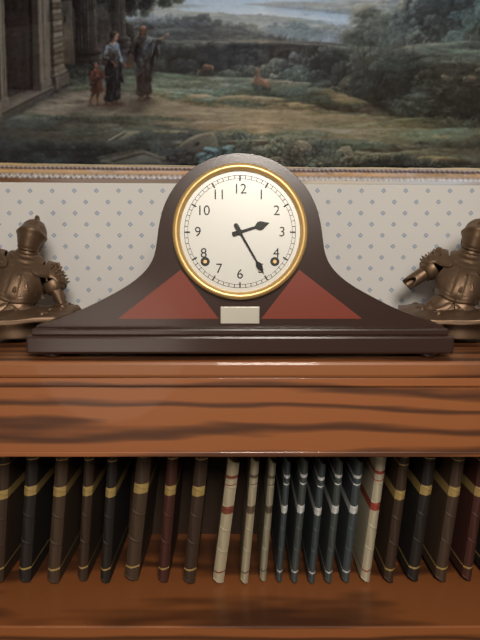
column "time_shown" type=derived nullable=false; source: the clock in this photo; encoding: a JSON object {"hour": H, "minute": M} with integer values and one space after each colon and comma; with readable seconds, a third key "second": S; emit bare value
{"hour": 2, "minute": 25}
